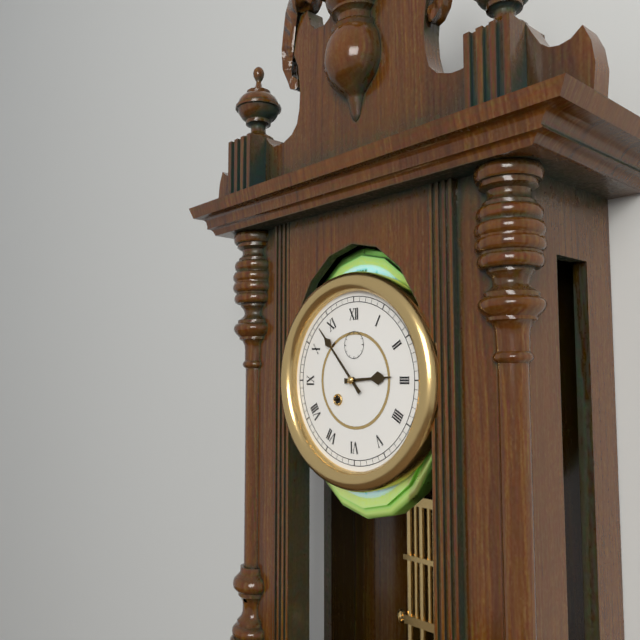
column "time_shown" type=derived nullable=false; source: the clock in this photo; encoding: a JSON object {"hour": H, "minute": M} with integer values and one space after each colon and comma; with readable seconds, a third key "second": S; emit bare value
{"hour": 2, "minute": 53}
